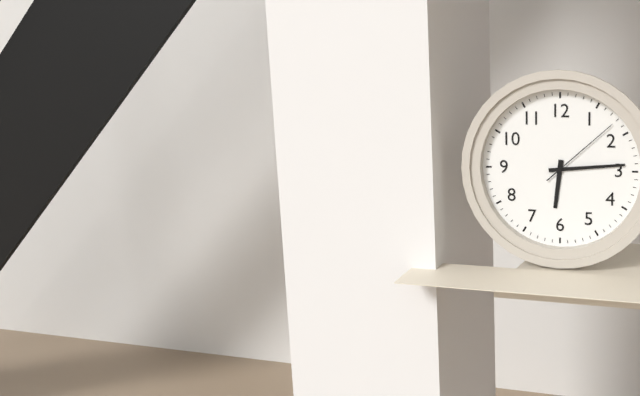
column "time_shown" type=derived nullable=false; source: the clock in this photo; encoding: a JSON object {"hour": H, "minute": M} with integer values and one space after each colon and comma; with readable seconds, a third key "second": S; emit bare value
{"hour": 6, "minute": 14, "second": 8}
